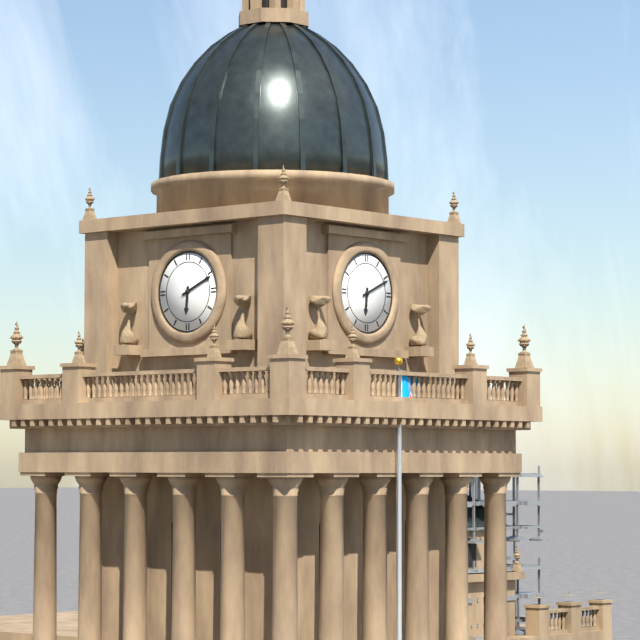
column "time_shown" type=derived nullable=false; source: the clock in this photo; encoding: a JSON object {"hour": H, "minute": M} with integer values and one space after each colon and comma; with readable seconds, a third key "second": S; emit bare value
{"hour": 6, "minute": 11}
